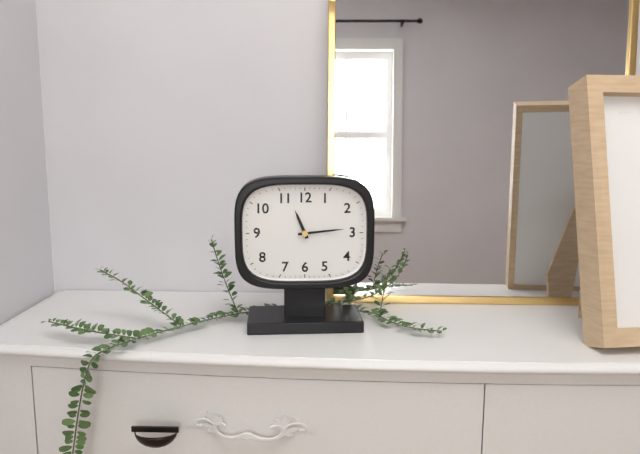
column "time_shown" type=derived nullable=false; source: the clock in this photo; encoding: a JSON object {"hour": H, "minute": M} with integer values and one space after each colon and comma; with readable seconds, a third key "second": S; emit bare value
{"hour": 11, "minute": 14}
